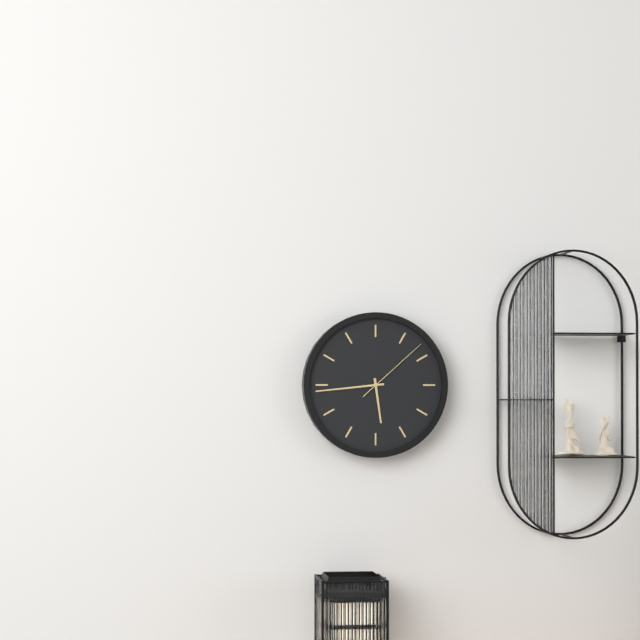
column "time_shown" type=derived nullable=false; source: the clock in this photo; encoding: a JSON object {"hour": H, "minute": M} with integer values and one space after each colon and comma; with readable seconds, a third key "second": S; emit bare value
{"hour": 5, "minute": 44, "second": 8}
